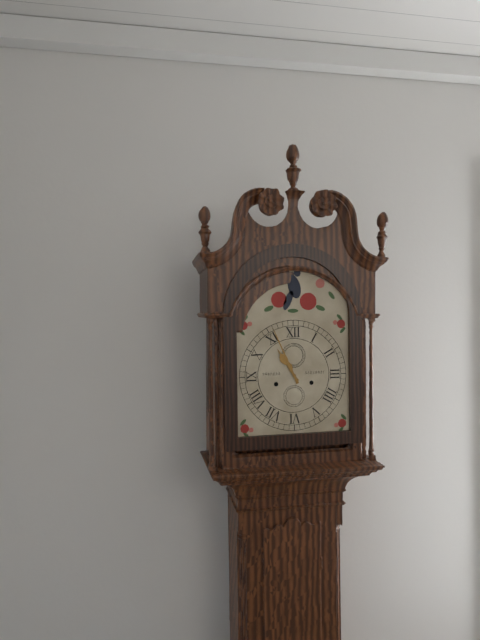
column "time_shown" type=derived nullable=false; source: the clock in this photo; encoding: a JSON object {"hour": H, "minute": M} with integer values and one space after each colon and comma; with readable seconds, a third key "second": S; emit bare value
{"hour": 10, "minute": 56}
